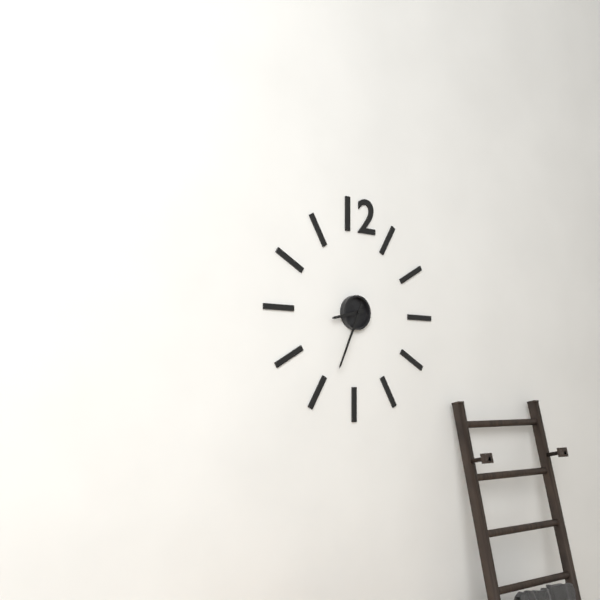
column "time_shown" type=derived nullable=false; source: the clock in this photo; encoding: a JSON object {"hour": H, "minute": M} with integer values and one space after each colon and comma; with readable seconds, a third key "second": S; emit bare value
{"hour": 8, "minute": 34}
